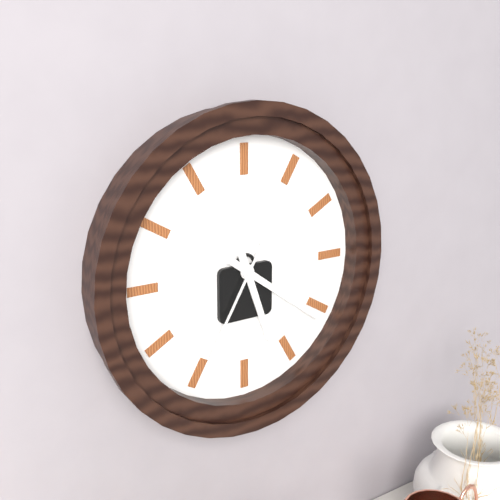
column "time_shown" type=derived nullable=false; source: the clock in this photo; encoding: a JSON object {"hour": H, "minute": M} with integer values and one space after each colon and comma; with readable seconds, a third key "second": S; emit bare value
{"hour": 5, "minute": 21, "second": 35}
